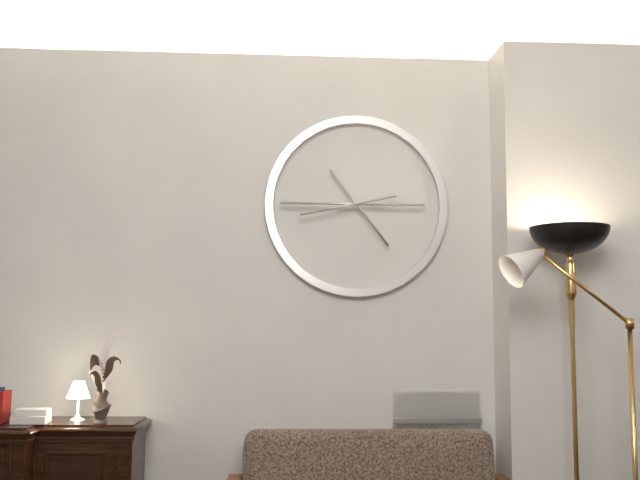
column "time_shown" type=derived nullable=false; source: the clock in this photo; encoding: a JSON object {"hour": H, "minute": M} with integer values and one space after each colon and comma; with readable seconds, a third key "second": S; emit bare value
{"hour": 4, "minute": 45, "second": 43}
